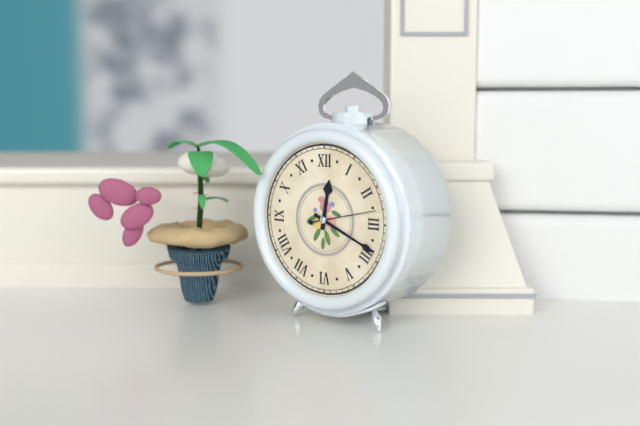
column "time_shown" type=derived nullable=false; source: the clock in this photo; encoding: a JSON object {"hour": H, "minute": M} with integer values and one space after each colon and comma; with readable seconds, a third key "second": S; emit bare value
{"hour": 12, "minute": 19, "second": 13}
